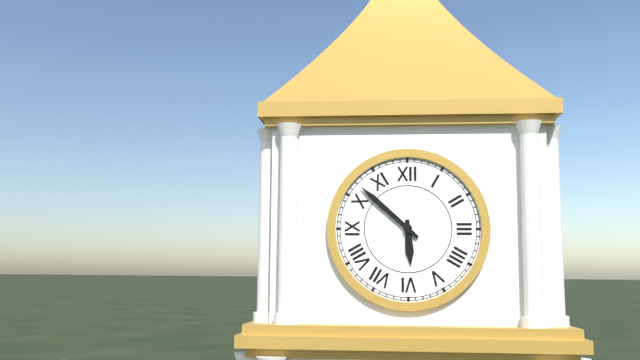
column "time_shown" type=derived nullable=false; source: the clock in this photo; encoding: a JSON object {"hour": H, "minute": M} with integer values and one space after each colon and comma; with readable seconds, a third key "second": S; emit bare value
{"hour": 5, "minute": 52}
